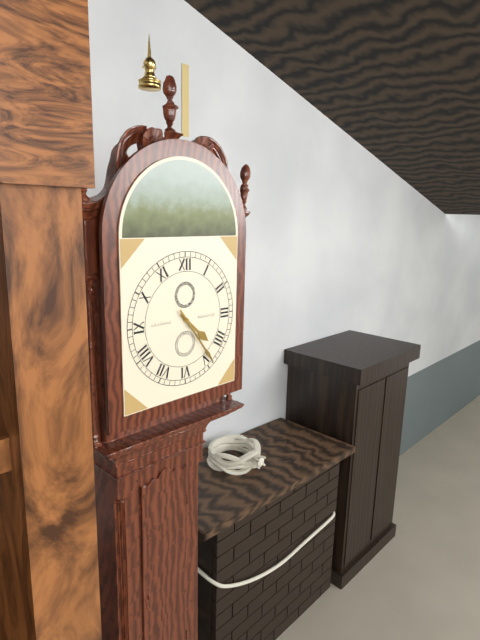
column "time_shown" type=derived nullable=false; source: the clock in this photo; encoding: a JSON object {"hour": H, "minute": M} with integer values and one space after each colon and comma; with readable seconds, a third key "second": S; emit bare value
{"hour": 4, "minute": 24}
